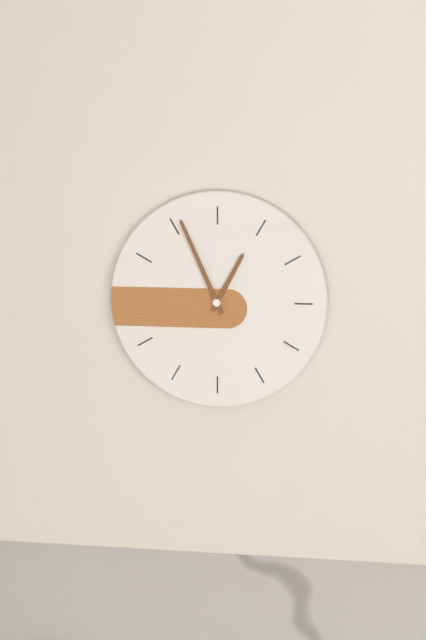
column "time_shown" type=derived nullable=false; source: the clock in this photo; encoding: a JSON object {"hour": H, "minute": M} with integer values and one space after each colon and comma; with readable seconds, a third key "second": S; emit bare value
{"hour": 12, "minute": 56}
